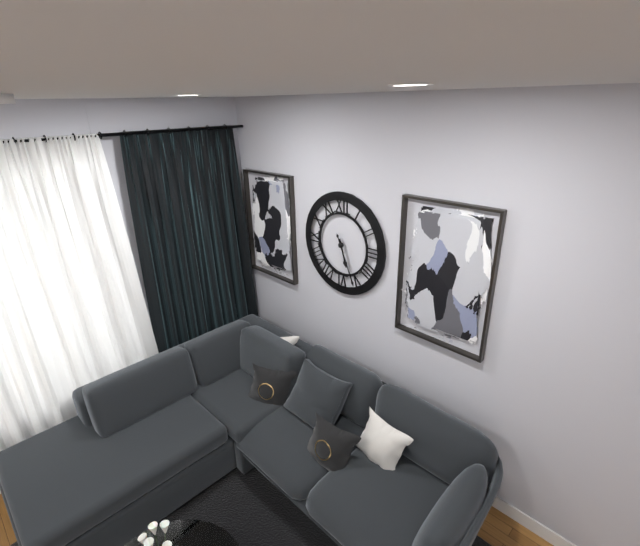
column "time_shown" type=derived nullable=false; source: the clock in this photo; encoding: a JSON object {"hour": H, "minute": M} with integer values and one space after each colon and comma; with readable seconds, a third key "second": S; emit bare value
{"hour": 5, "minute": 26}
